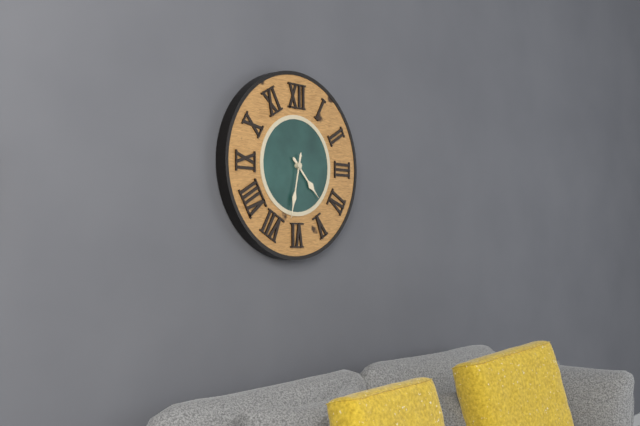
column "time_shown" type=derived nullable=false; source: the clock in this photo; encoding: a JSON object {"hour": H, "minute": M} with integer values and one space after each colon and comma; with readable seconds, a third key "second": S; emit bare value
{"hour": 4, "minute": 32}
